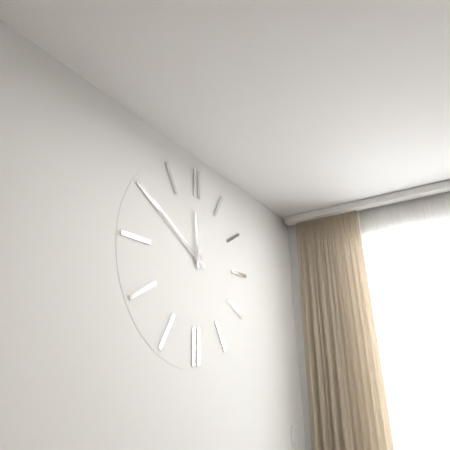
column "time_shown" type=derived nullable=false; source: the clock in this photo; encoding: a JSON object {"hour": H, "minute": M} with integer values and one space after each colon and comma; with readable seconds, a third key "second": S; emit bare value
{"hour": 11, "minute": 50}
